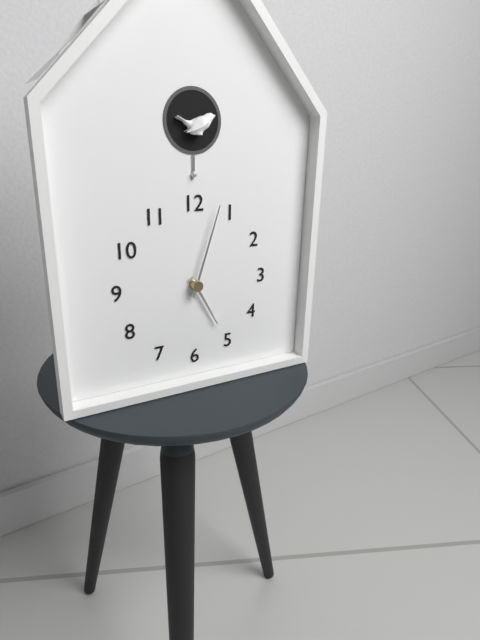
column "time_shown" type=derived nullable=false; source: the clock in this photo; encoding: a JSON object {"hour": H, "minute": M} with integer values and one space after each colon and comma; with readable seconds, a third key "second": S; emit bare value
{"hour": 5, "minute": 3}
